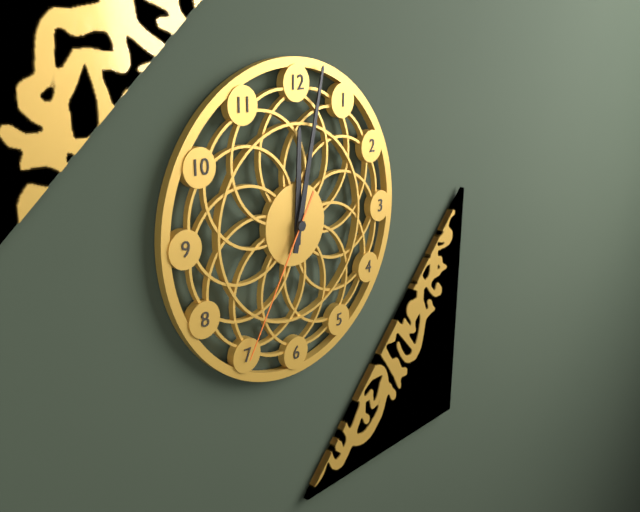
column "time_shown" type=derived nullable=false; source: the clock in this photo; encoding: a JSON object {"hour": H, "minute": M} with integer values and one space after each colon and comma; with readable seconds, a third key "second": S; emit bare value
{"hour": 12, "minute": 2, "second": 35}
